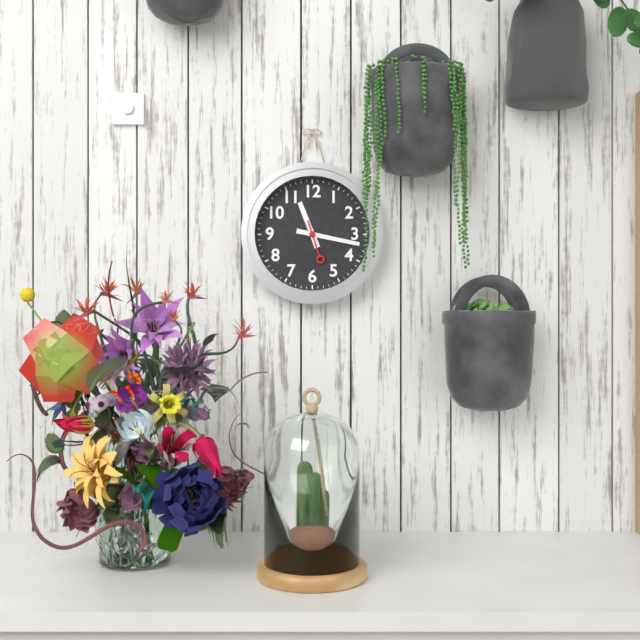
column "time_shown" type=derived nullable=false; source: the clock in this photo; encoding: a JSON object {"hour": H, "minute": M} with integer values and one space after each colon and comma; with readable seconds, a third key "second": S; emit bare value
{"hour": 11, "minute": 17}
